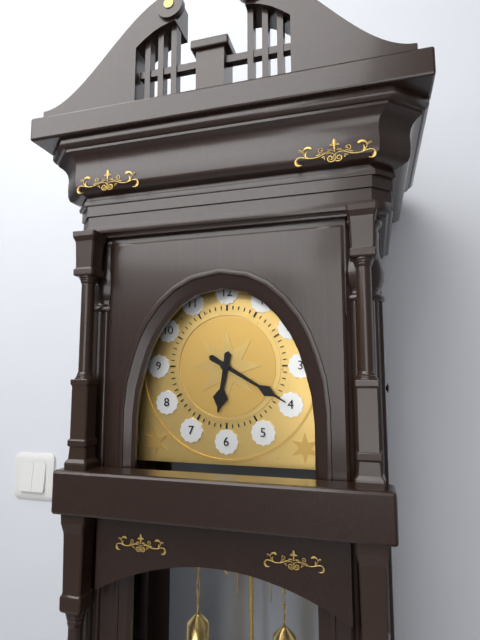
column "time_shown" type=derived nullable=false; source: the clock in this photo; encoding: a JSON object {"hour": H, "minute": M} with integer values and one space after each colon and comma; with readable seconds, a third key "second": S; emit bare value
{"hour": 6, "minute": 20}
